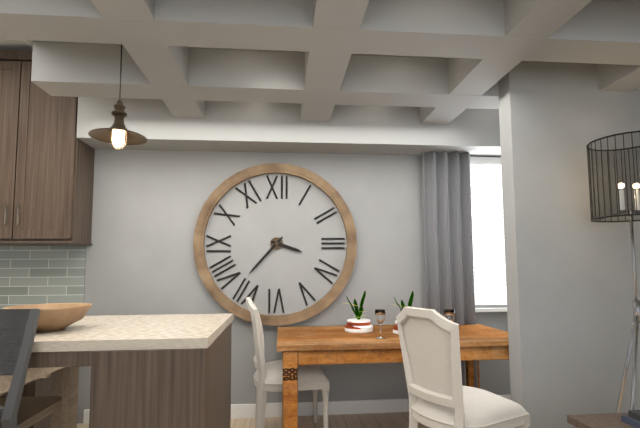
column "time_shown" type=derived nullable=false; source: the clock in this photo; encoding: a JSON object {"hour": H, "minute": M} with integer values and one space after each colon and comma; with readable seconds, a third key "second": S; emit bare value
{"hour": 3, "minute": 37}
